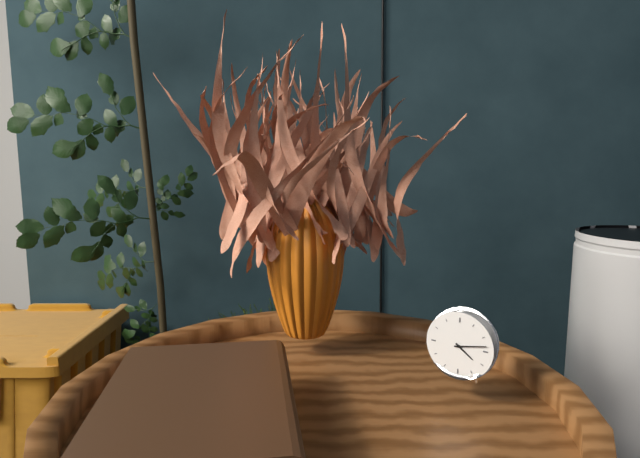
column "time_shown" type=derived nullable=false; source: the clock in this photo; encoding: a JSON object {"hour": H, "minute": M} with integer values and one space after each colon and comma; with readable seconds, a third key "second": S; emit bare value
{"hour": 4, "minute": 13}
